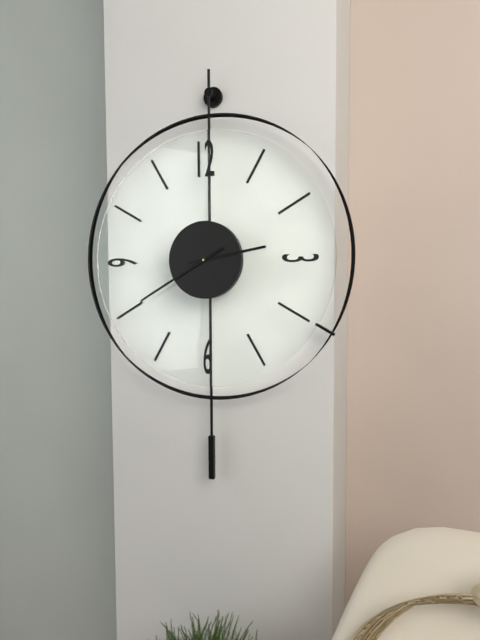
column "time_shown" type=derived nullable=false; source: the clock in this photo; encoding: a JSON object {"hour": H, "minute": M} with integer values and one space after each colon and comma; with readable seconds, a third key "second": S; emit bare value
{"hour": 2, "minute": 40}
